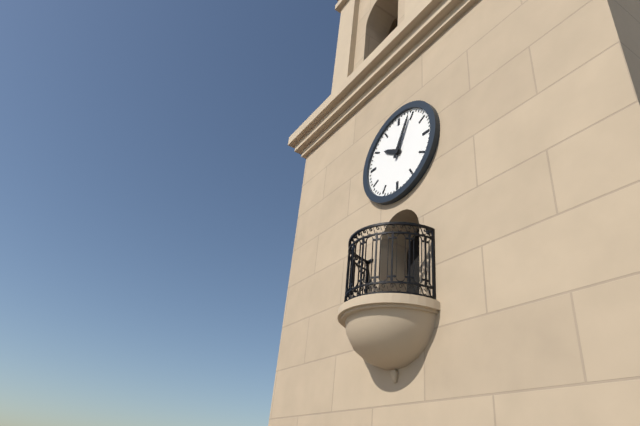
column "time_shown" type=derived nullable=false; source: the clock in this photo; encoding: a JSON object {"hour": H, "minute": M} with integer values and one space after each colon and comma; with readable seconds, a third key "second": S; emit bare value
{"hour": 10, "minute": 4}
